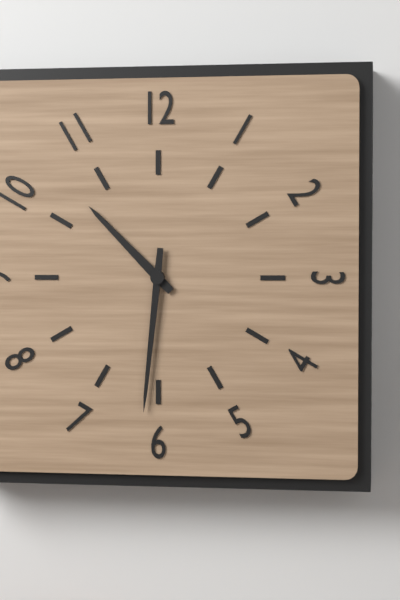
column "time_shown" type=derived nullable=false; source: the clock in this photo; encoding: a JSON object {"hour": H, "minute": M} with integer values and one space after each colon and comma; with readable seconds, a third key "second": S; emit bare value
{"hour": 10, "minute": 31}
